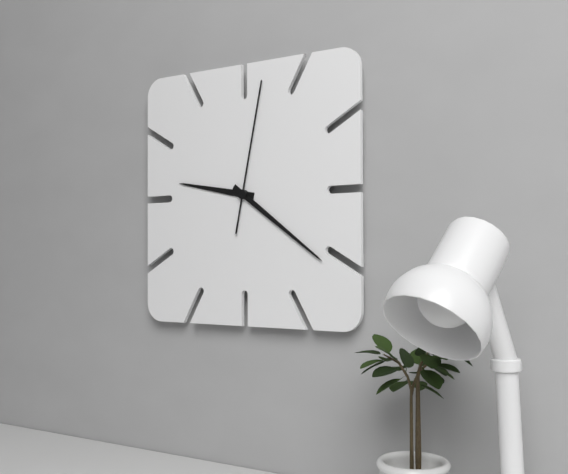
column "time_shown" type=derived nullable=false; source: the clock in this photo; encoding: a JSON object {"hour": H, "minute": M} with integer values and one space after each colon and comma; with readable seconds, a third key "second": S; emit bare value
{"hour": 9, "minute": 21, "second": 2}
